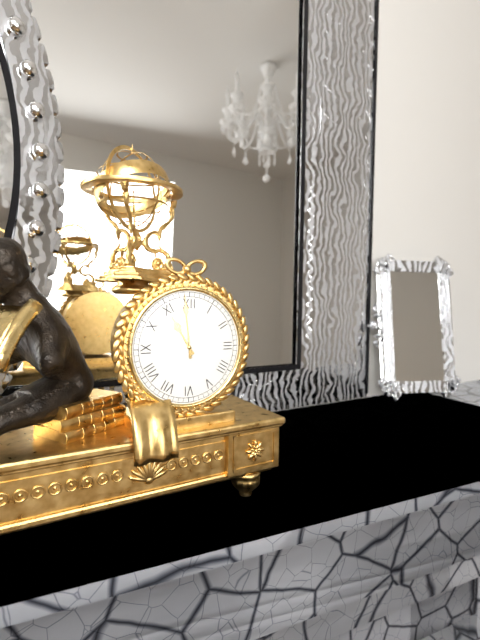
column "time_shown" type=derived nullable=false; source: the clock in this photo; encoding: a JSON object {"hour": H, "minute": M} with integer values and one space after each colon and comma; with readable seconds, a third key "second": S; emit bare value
{"hour": 10, "minute": 59}
